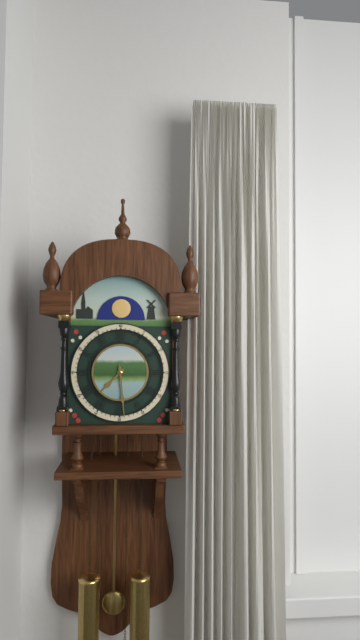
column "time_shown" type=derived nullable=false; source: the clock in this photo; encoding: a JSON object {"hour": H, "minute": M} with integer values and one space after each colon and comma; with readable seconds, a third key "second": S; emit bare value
{"hour": 7, "minute": 29}
